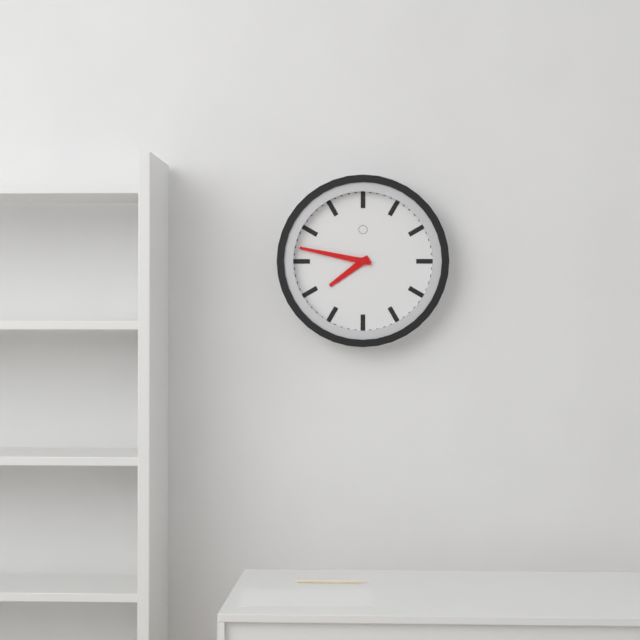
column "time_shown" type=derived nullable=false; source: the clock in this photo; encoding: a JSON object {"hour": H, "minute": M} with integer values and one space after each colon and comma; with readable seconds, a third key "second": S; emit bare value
{"hour": 7, "minute": 47}
